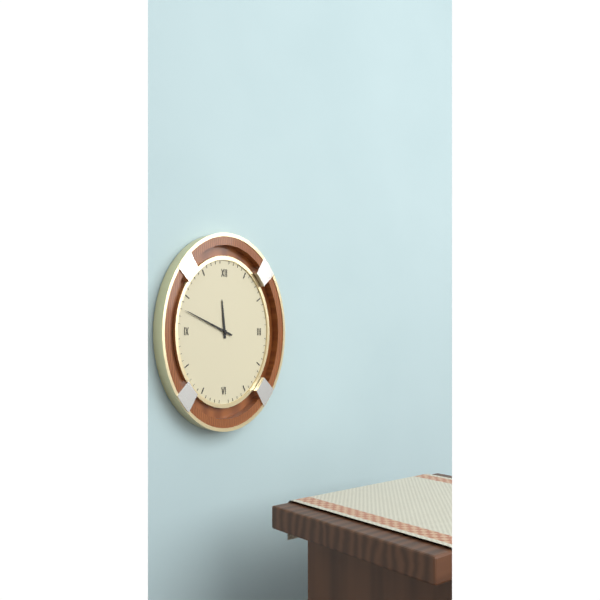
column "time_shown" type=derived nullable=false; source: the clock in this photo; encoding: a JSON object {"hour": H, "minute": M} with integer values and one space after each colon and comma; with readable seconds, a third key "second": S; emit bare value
{"hour": 11, "minute": 49}
